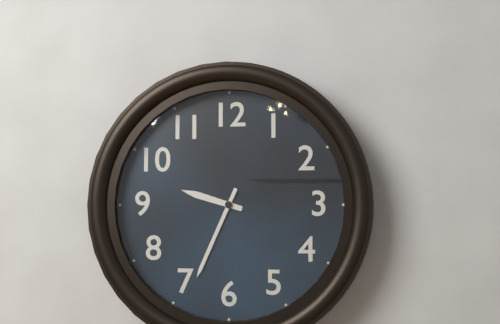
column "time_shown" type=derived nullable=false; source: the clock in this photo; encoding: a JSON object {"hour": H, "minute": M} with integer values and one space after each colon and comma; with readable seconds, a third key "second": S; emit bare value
{"hour": 9, "minute": 34}
